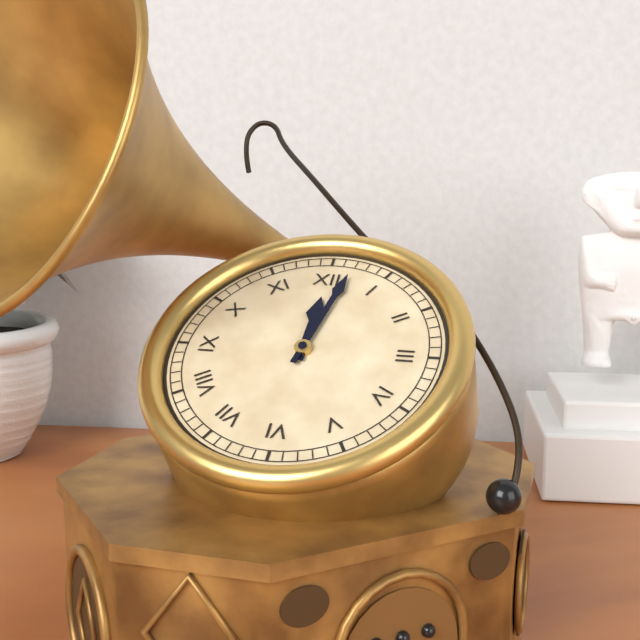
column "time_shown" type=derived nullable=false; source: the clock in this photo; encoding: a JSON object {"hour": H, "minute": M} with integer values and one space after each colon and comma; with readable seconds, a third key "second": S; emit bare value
{"hour": 12, "minute": 2}
